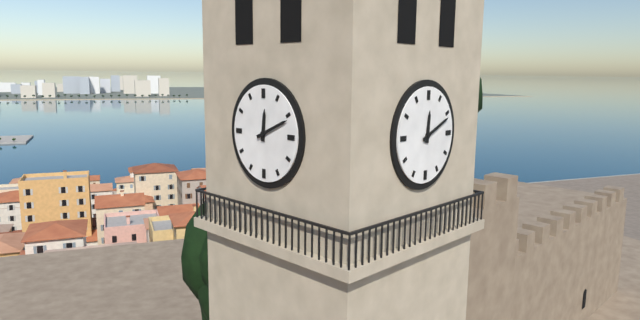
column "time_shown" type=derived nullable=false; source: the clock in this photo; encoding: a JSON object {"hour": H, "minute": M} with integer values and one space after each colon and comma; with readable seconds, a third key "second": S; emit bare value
{"hour": 12, "minute": 11}
